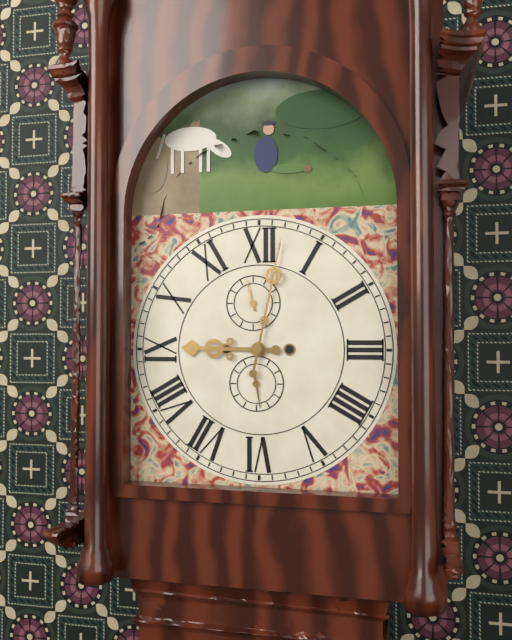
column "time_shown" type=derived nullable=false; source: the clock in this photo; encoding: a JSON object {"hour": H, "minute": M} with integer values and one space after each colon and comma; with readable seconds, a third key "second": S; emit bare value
{"hour": 9, "minute": 2}
